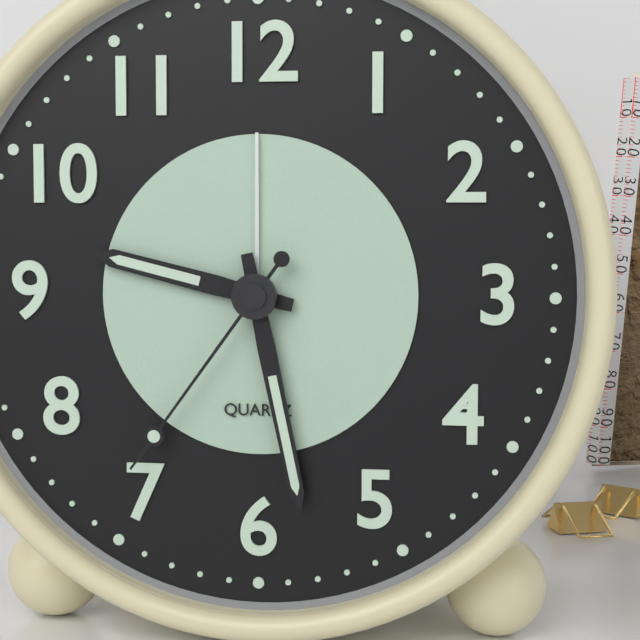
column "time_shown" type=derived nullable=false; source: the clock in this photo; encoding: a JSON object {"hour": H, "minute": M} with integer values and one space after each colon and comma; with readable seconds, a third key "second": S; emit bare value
{"hour": 9, "minute": 28, "second": 36}
